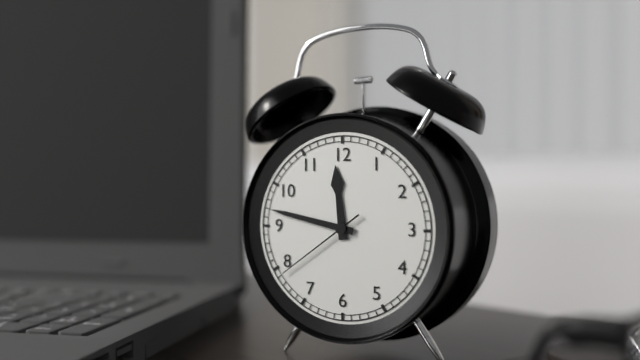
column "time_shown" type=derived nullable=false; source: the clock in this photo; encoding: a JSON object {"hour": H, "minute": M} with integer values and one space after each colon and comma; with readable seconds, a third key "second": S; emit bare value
{"hour": 11, "minute": 47, "second": 39}
